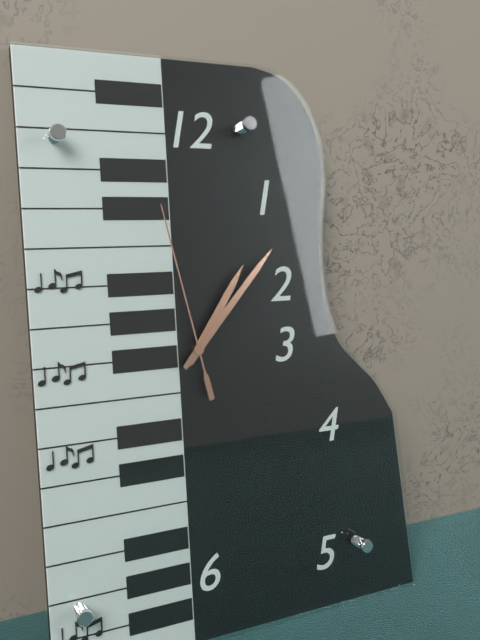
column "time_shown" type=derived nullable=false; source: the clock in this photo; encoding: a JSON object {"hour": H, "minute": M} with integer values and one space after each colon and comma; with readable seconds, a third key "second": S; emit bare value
{"hour": 1, "minute": 7, "second": 58}
